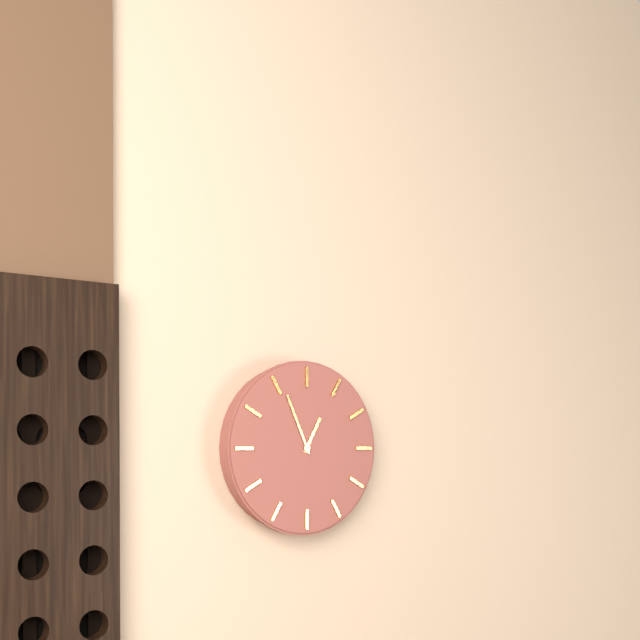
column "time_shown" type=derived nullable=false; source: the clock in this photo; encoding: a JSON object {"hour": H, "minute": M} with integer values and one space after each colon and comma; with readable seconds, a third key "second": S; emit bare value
{"hour": 12, "minute": 56}
